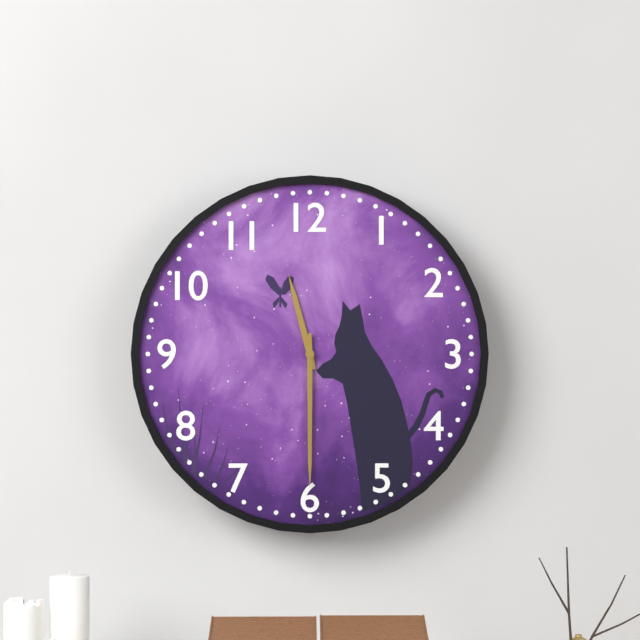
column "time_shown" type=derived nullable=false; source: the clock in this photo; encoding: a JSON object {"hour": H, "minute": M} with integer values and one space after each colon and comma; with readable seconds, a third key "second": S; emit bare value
{"hour": 11, "minute": 30}
